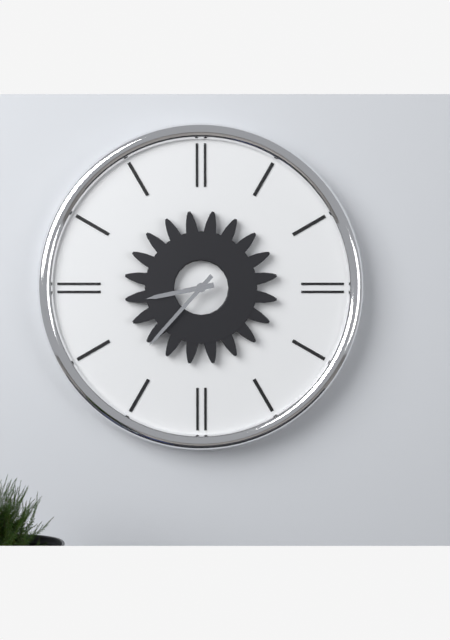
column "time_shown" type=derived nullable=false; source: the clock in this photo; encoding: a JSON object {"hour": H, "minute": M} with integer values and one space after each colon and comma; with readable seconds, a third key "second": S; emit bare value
{"hour": 8, "minute": 37}
